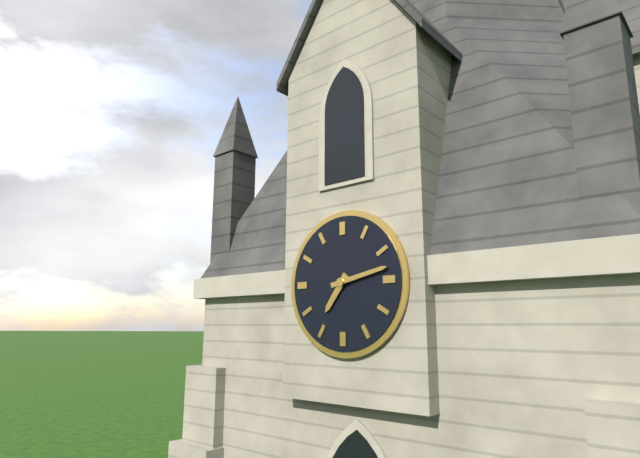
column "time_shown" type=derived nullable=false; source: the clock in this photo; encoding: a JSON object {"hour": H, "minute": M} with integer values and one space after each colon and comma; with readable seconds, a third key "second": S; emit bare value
{"hour": 7, "minute": 13}
